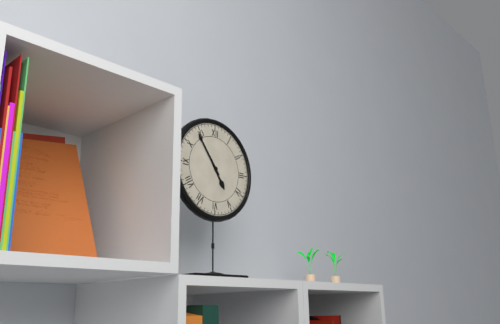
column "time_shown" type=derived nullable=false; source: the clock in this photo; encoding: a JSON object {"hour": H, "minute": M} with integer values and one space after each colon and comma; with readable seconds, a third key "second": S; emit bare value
{"hour": 4, "minute": 54}
